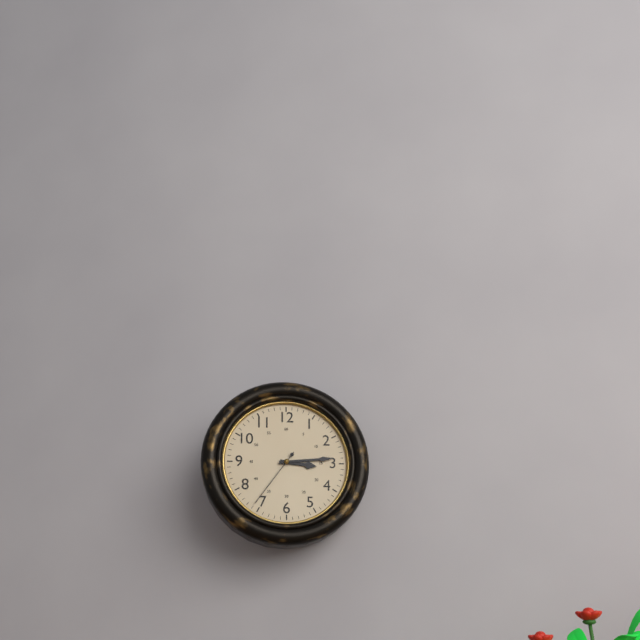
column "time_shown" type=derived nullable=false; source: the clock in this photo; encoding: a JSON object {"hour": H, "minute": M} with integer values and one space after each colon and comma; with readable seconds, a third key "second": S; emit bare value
{"hour": 3, "minute": 14, "second": 36}
